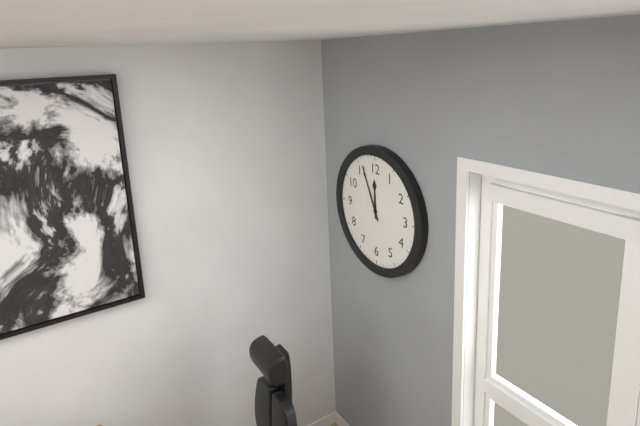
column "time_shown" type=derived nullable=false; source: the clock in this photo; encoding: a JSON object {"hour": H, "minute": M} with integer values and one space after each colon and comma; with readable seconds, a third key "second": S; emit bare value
{"hour": 11, "minute": 56}
